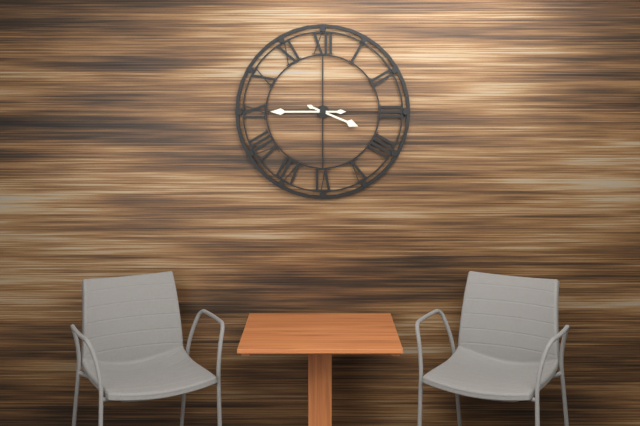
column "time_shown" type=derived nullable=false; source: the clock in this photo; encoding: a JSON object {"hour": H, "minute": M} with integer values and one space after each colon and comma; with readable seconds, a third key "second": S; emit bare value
{"hour": 3, "minute": 45}
